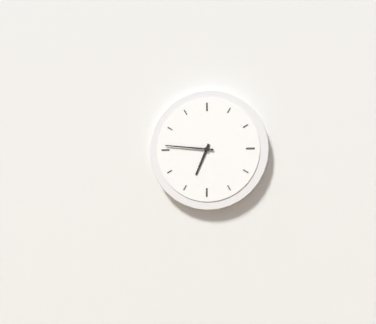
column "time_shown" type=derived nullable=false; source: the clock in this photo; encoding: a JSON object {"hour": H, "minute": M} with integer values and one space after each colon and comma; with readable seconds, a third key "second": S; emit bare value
{"hour": 6, "minute": 46}
